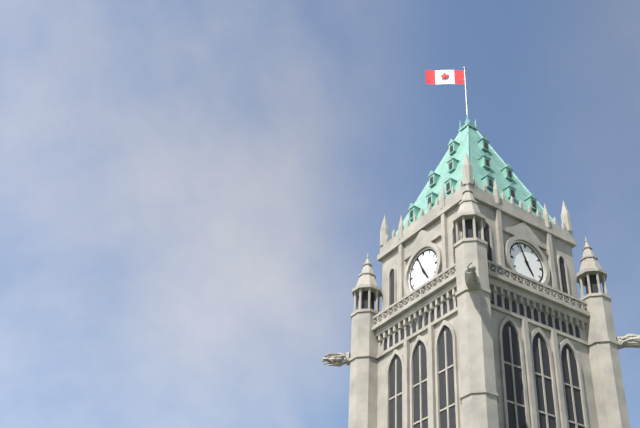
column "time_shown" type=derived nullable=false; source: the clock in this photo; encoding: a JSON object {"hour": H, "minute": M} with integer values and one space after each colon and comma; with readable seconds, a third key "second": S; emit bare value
{"hour": 4, "minute": 56}
